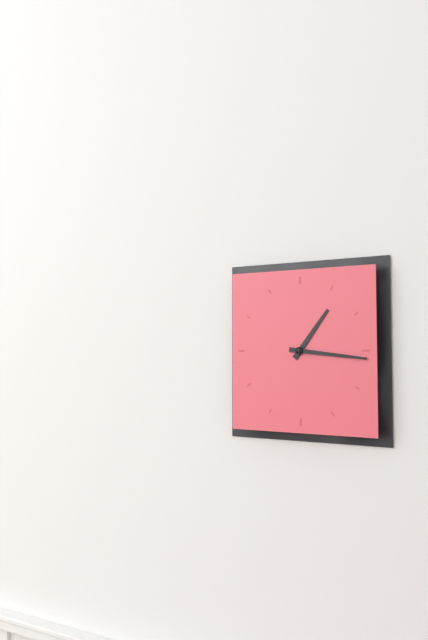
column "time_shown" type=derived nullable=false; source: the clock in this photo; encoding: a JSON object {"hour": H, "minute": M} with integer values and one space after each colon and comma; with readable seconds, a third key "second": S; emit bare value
{"hour": 1, "minute": 16}
